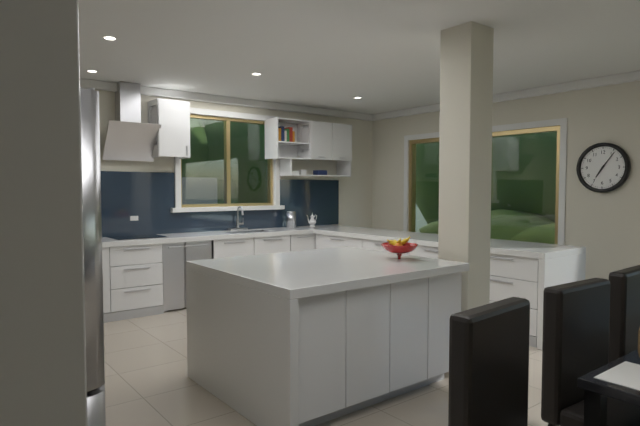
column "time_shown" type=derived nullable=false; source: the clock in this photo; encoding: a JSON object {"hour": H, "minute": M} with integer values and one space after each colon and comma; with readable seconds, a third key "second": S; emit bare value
{"hour": 7, "minute": 6}
